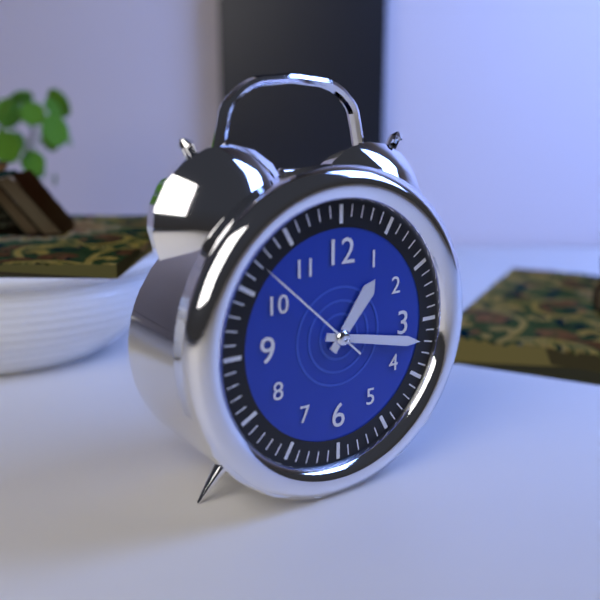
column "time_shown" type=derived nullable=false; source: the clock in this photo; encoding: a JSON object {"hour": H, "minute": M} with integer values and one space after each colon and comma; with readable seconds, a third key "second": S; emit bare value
{"hour": 1, "minute": 17, "second": 52}
